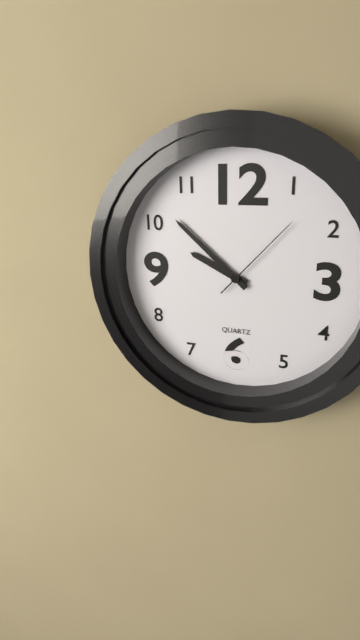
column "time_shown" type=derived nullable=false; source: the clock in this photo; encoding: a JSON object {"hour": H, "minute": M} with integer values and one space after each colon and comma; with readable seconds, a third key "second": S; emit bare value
{"hour": 9, "minute": 52, "second": 7}
